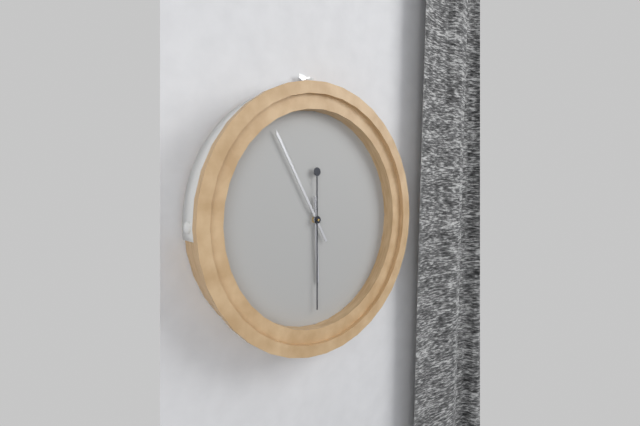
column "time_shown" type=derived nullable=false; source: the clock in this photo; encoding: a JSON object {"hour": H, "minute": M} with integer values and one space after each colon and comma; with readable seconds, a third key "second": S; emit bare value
{"hour": 5, "minute": 55, "second": 30}
